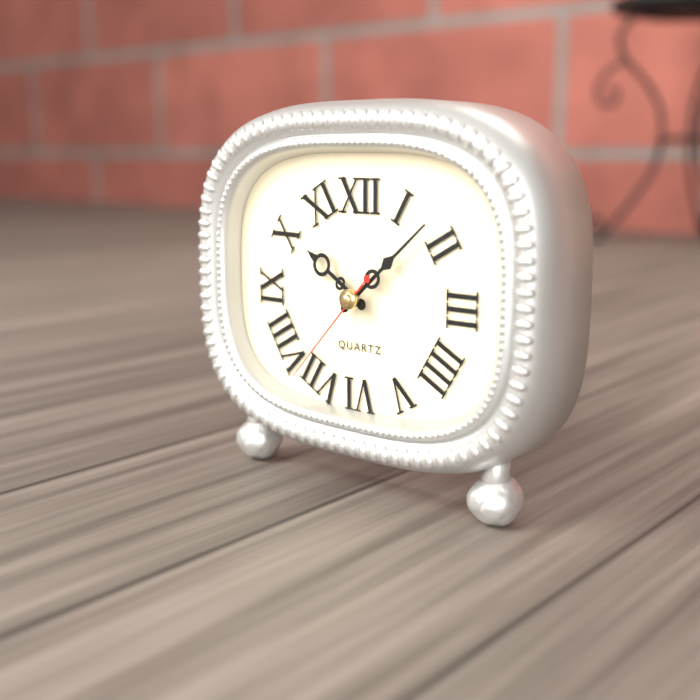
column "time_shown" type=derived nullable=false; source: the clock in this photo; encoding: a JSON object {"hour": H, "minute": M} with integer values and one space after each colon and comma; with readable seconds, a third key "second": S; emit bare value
{"hour": 10, "minute": 8, "second": 37}
